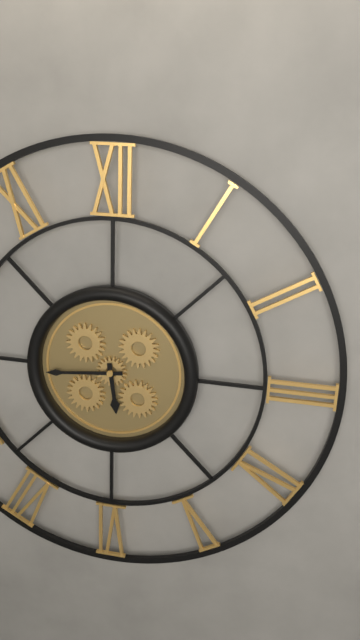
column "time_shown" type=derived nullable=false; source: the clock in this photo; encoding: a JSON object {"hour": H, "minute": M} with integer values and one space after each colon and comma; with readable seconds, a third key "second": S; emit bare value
{"hour": 5, "minute": 44}
